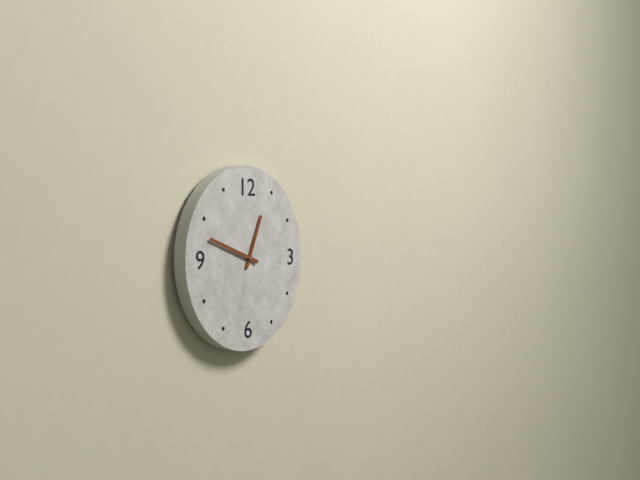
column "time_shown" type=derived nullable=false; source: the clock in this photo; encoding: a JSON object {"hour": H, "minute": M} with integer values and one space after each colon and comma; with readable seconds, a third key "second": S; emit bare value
{"hour": 12, "minute": 48}
